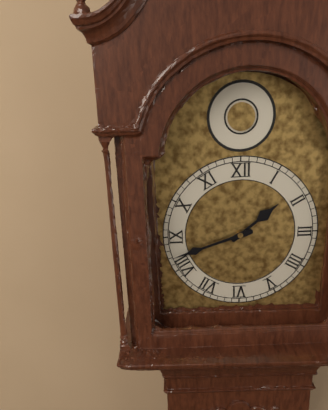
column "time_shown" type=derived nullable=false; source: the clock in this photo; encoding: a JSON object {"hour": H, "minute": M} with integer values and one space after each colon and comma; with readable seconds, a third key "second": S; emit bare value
{"hour": 1, "minute": 42}
